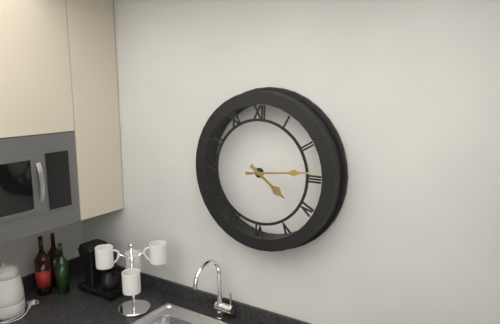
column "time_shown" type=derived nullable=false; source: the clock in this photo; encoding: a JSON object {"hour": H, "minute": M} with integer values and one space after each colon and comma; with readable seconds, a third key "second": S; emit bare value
{"hour": 4, "minute": 14}
